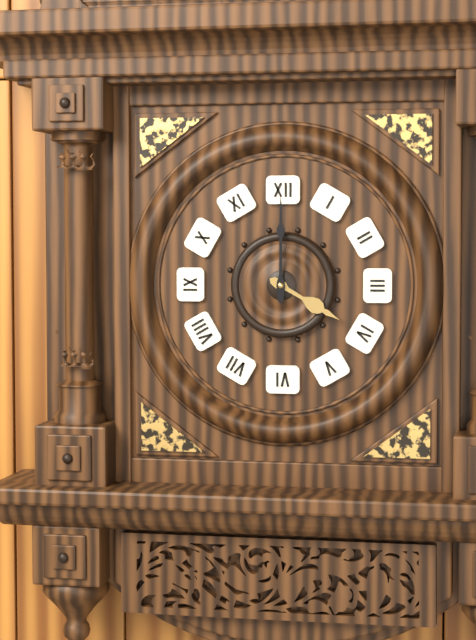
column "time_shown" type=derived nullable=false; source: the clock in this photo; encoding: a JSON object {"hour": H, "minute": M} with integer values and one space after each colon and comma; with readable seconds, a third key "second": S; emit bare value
{"hour": 4, "minute": 0}
